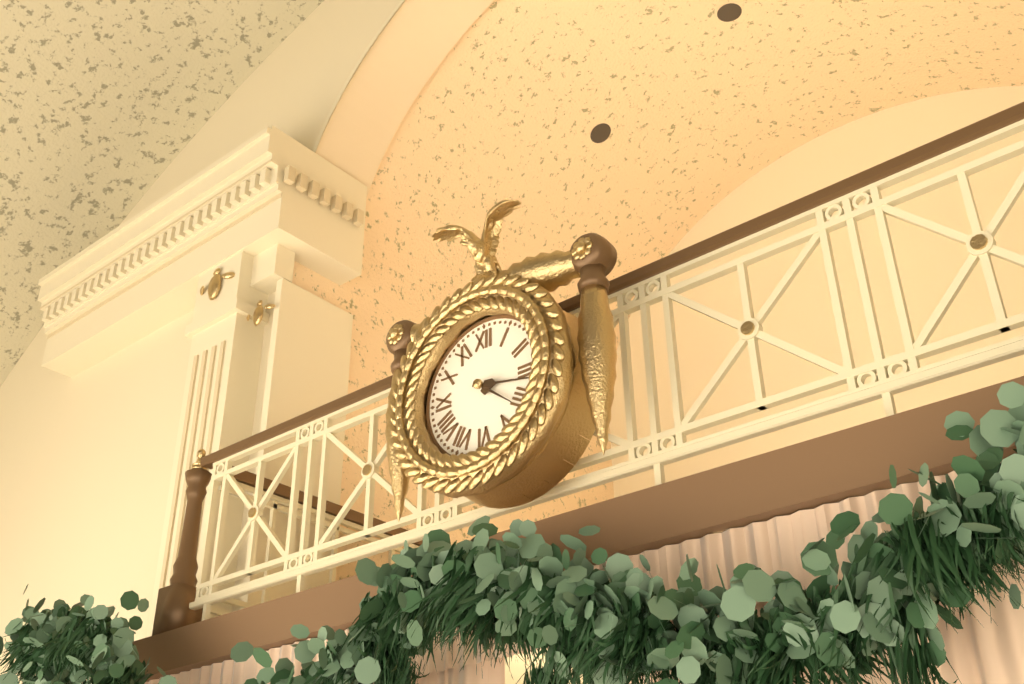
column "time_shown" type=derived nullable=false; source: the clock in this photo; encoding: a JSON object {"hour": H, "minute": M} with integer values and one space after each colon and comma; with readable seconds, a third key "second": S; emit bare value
{"hour": 4, "minute": 17}
